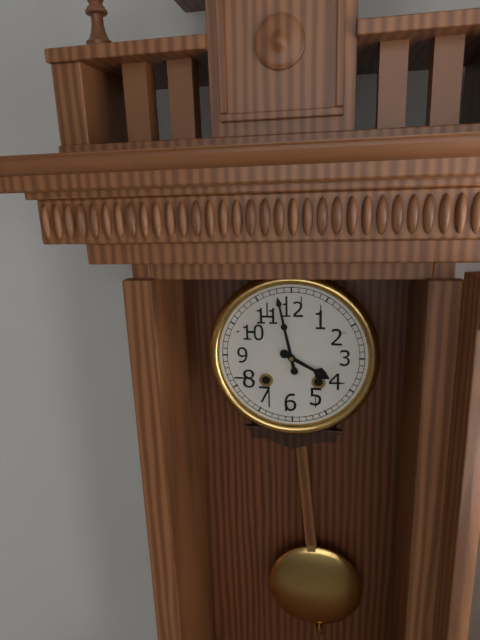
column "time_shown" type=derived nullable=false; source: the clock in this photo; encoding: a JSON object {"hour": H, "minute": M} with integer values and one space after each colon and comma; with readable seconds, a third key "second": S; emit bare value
{"hour": 3, "minute": 58}
